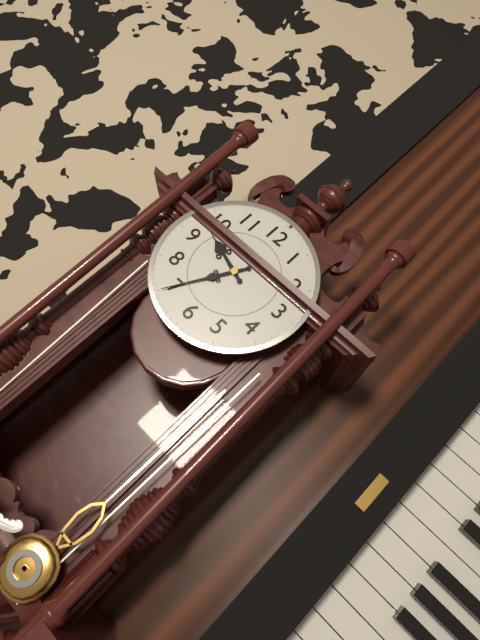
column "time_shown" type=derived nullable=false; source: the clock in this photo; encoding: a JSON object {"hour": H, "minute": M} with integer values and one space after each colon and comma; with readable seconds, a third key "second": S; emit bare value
{"hour": 9, "minute": 35}
